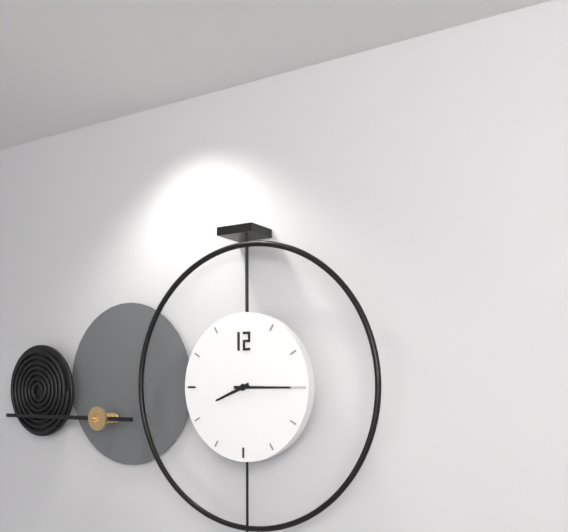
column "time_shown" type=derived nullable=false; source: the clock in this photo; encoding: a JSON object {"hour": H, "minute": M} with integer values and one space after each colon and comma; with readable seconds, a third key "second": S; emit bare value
{"hour": 8, "minute": 15}
